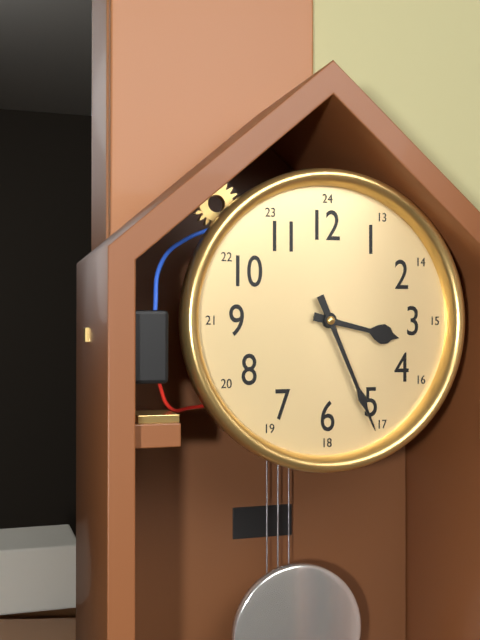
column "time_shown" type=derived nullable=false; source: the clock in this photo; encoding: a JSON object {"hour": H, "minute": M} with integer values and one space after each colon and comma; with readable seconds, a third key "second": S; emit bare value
{"hour": 3, "minute": 26}
